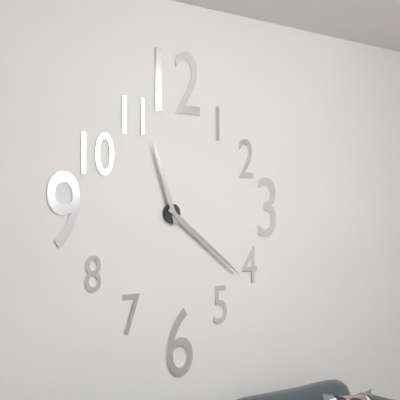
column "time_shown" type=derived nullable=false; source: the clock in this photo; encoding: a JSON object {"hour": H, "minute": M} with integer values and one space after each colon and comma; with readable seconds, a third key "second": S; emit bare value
{"hour": 11, "minute": 21}
